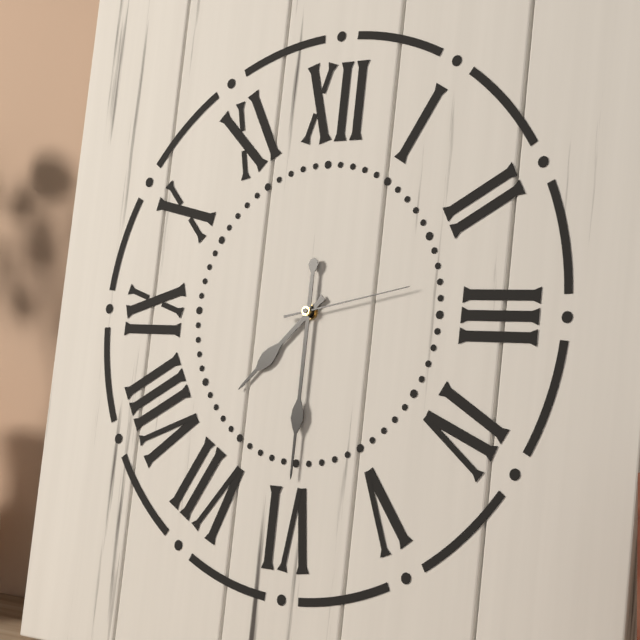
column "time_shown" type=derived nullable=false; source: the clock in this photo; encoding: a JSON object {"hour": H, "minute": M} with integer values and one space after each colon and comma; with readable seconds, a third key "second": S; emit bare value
{"hour": 7, "minute": 30, "second": 13}
